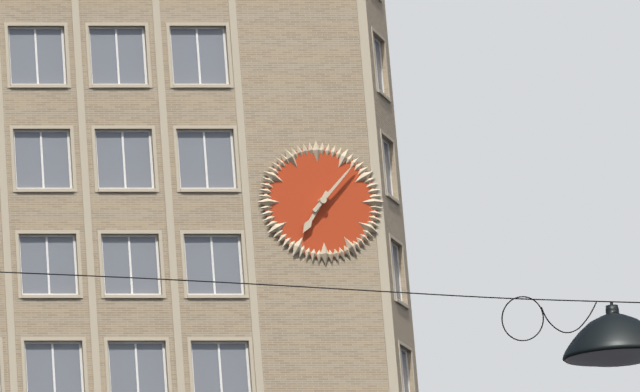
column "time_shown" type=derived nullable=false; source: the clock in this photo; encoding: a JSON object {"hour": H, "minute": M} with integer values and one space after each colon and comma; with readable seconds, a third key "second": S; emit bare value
{"hour": 7, "minute": 7}
